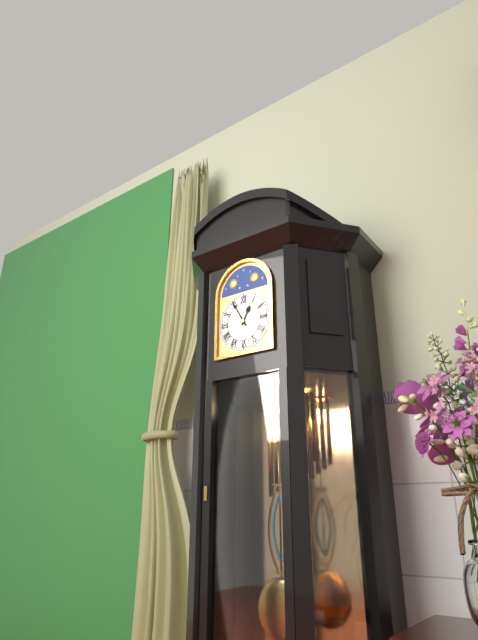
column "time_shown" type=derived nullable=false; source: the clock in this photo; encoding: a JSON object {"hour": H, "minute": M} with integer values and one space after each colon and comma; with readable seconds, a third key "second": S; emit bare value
{"hour": 12, "minute": 55}
